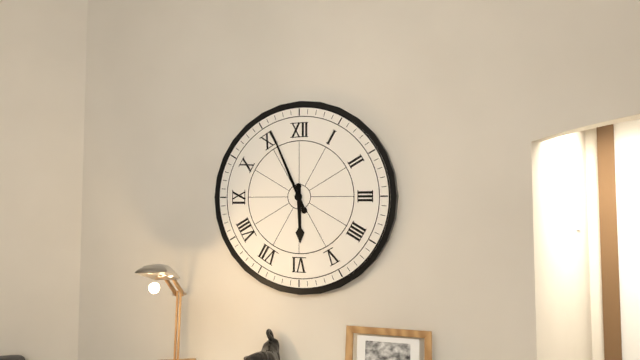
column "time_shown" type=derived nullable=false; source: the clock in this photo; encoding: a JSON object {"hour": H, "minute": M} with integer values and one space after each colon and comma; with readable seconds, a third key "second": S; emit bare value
{"hour": 5, "minute": 56}
